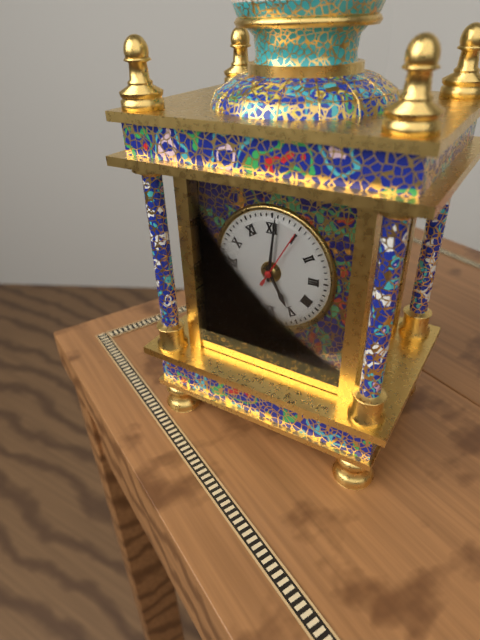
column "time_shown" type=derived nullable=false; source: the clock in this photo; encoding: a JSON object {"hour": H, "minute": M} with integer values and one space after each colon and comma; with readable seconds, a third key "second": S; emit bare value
{"hour": 5, "minute": 1, "second": 5}
